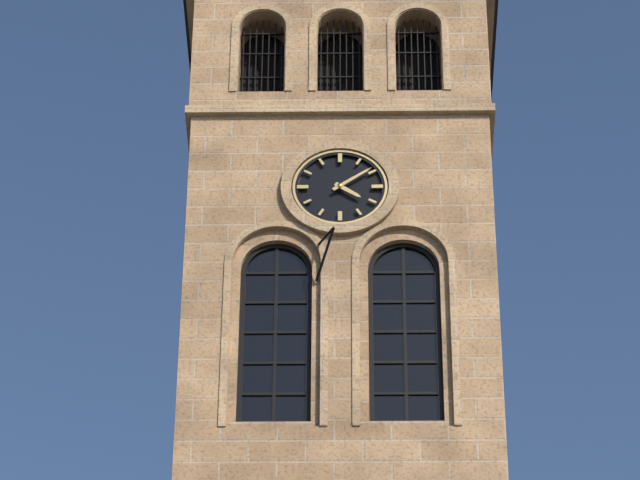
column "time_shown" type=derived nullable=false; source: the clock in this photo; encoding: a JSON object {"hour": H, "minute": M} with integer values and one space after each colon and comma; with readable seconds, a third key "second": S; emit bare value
{"hour": 4, "minute": 9}
